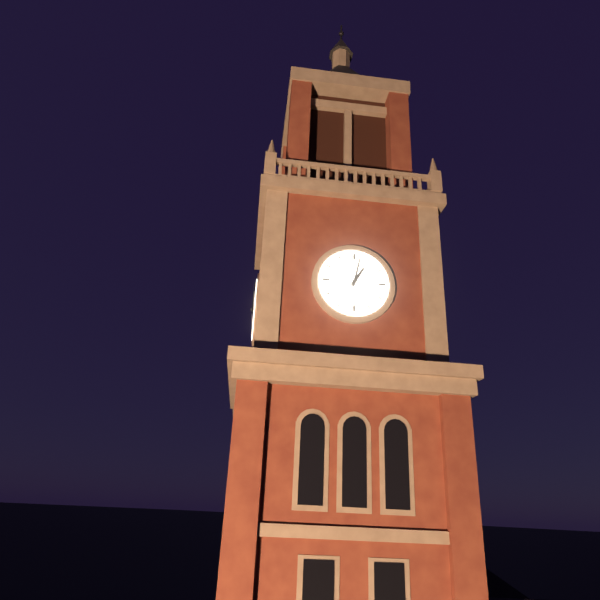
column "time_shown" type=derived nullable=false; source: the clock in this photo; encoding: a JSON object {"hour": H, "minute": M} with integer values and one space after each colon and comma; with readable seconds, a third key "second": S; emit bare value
{"hour": 1, "minute": 2}
